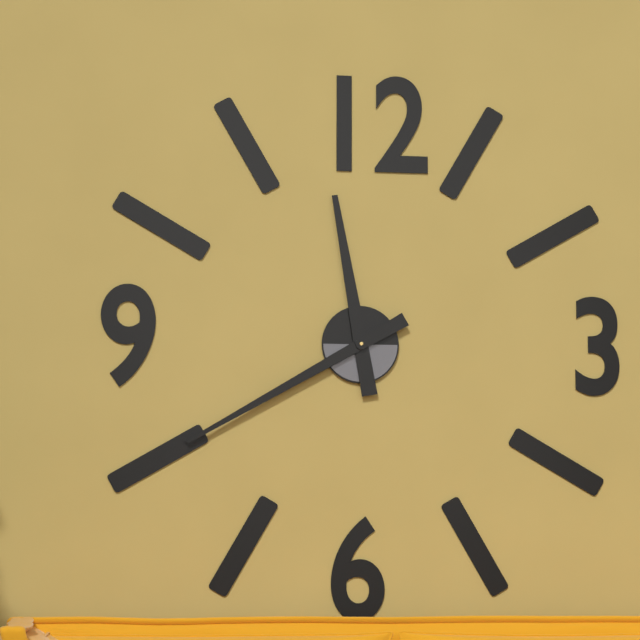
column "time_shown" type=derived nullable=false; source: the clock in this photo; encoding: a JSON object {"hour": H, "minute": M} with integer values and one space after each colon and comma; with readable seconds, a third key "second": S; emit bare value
{"hour": 11, "minute": 40}
